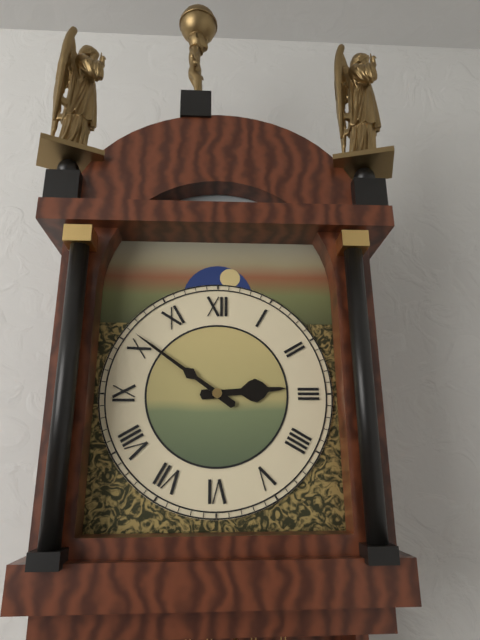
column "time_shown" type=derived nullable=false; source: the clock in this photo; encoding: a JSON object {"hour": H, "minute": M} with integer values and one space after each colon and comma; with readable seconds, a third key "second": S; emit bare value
{"hour": 2, "minute": 51}
